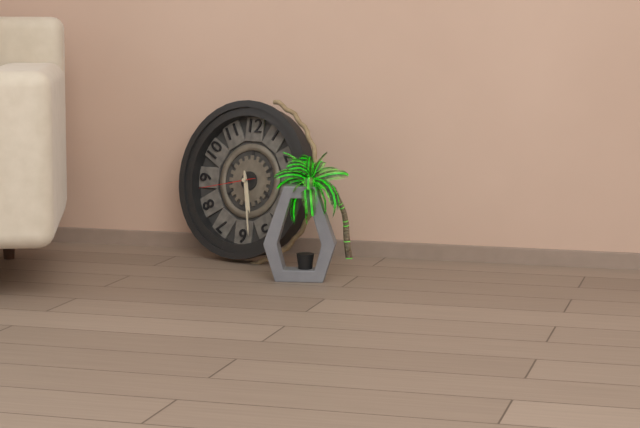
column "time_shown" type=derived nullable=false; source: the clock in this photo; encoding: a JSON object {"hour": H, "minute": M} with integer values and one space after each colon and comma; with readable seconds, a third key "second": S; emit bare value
{"hour": 5, "minute": 28, "second": 43}
